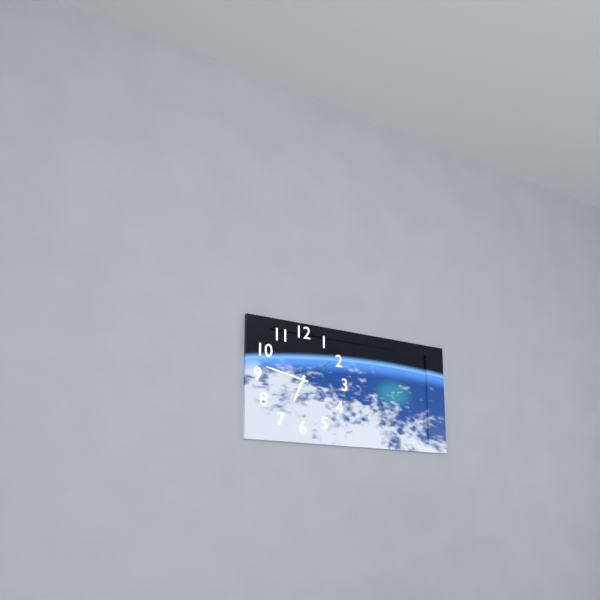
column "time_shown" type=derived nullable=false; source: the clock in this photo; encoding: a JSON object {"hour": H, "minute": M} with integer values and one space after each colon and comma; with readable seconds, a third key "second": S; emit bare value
{"hour": 6, "minute": 47}
